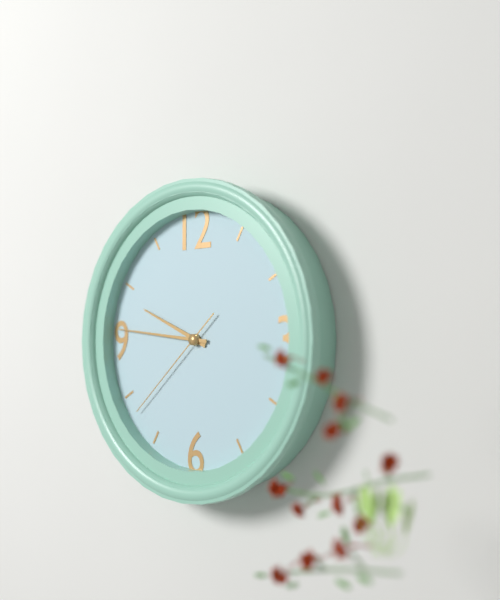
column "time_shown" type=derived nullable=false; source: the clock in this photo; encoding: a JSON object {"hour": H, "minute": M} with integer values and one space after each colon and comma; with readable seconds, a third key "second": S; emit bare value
{"hour": 9, "minute": 46, "second": 38}
